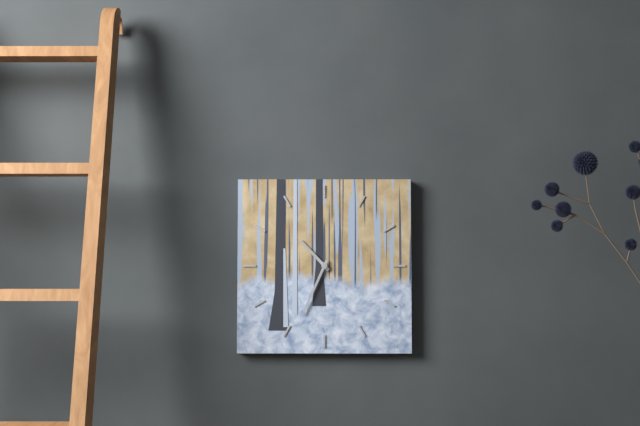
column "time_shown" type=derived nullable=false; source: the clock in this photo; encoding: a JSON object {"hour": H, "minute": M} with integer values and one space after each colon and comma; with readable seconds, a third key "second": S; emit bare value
{"hour": 10, "minute": 34}
